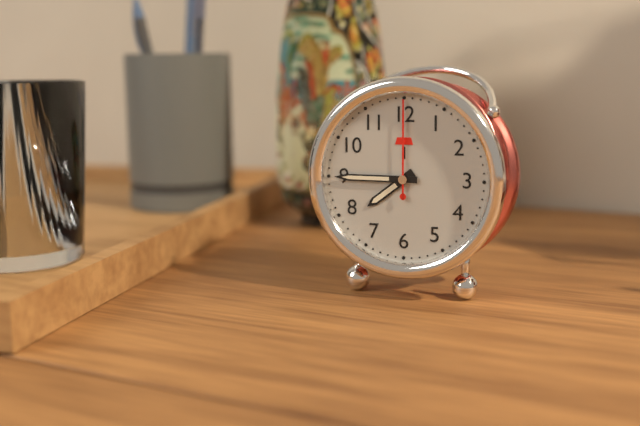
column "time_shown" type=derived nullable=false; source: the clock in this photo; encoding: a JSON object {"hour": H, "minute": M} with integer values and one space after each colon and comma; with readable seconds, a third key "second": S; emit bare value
{"hour": 7, "minute": 45, "second": 0}
